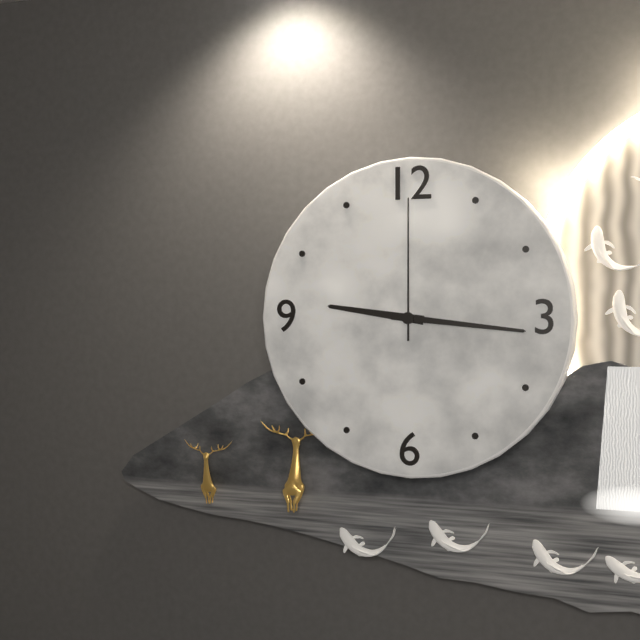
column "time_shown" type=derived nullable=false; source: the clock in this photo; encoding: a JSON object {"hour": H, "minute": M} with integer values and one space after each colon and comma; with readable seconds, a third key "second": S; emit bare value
{"hour": 9, "minute": 16, "second": 0}
